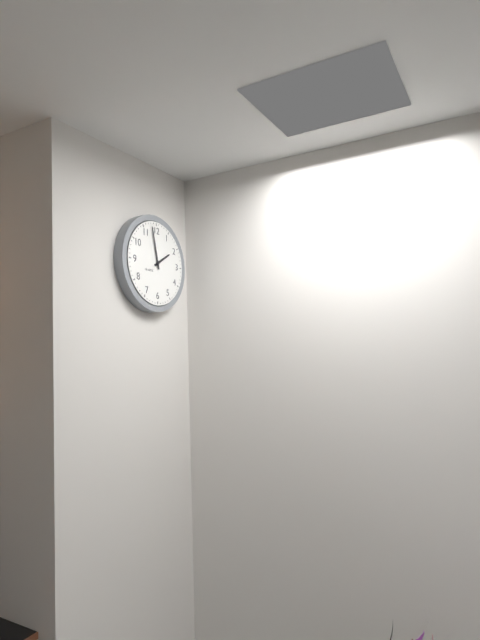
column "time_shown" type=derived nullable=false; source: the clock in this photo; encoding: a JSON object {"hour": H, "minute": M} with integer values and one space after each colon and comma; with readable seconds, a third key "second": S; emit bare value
{"hour": 1, "minute": 58}
